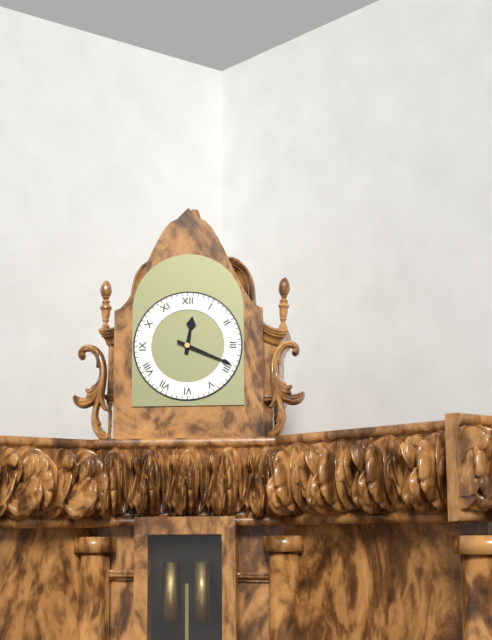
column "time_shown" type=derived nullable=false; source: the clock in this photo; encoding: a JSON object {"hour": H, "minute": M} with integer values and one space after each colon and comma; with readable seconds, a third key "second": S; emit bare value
{"hour": 12, "minute": 19}
